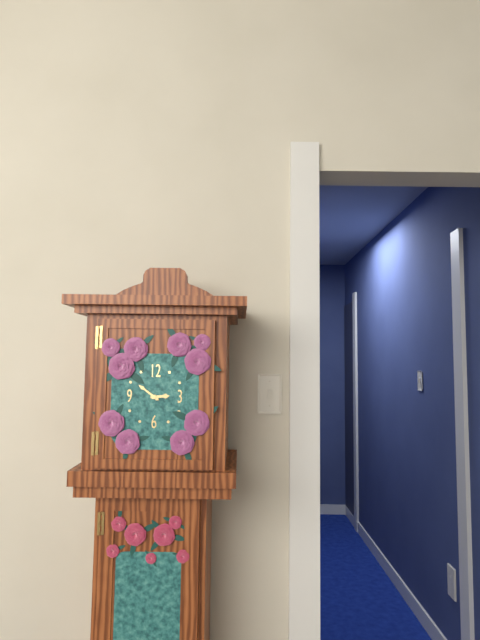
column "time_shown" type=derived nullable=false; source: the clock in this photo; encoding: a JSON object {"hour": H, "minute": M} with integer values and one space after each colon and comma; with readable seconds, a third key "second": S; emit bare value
{"hour": 2, "minute": 51}
